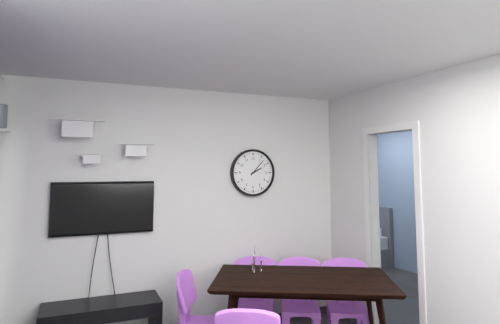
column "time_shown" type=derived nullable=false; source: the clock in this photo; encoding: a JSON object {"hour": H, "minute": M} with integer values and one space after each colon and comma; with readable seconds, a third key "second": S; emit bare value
{"hour": 2, "minute": 7}
